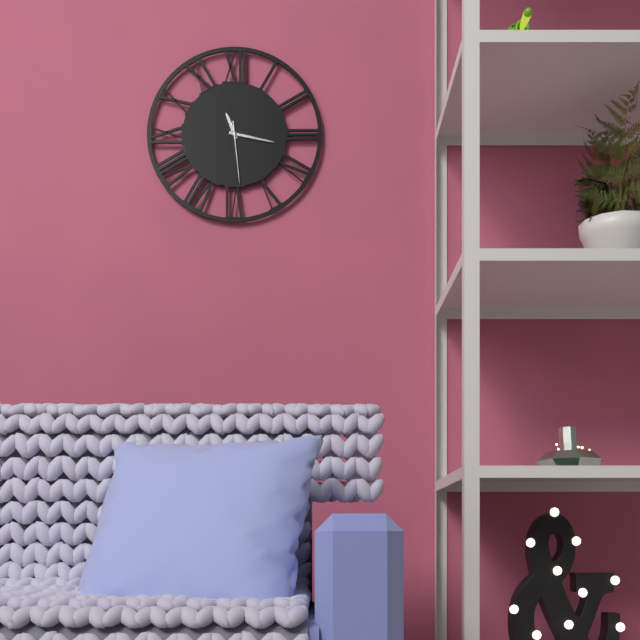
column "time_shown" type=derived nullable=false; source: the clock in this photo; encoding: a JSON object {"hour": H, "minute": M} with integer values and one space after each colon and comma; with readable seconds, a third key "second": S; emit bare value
{"hour": 11, "minute": 17, "second": 29}
